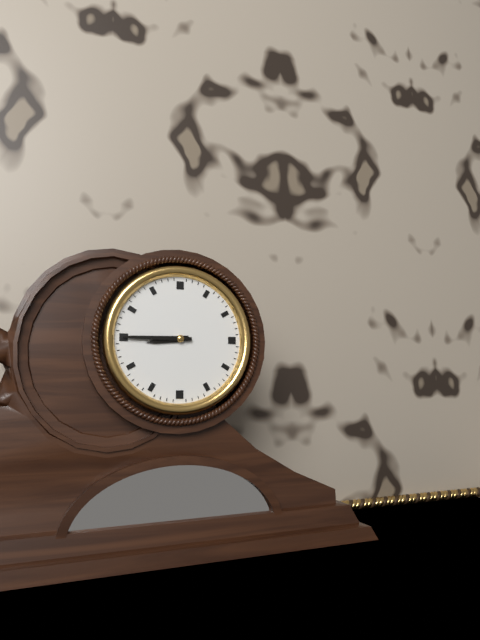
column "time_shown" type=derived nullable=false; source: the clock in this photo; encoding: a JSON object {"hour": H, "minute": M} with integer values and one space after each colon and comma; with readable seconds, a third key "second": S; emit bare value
{"hour": 8, "minute": 45}
